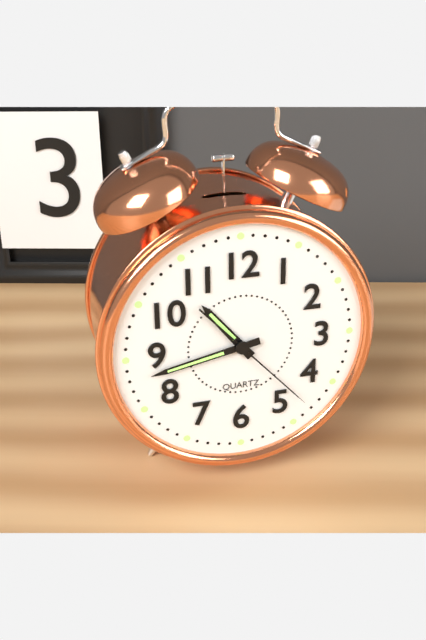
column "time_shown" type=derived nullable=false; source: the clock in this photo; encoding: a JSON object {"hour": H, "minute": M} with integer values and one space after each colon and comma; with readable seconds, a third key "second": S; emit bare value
{"hour": 10, "minute": 43, "second": 23}
